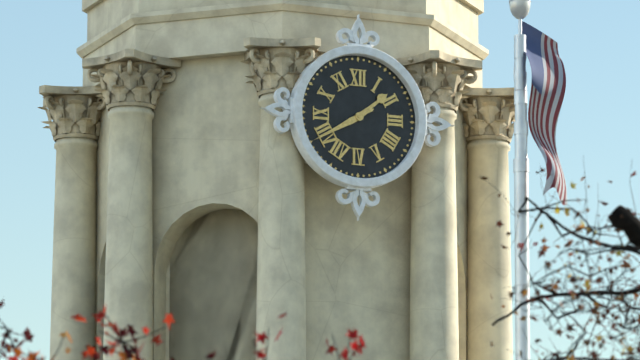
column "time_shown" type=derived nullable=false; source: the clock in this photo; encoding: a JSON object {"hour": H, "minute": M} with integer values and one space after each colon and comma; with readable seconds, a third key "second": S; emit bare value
{"hour": 1, "minute": 40}
